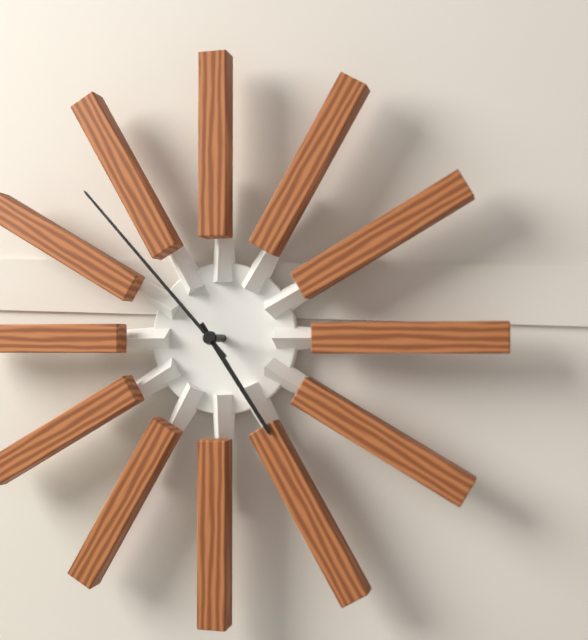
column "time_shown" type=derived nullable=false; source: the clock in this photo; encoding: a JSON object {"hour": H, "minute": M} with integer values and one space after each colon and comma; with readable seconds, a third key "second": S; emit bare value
{"hour": 4, "minute": 53}
